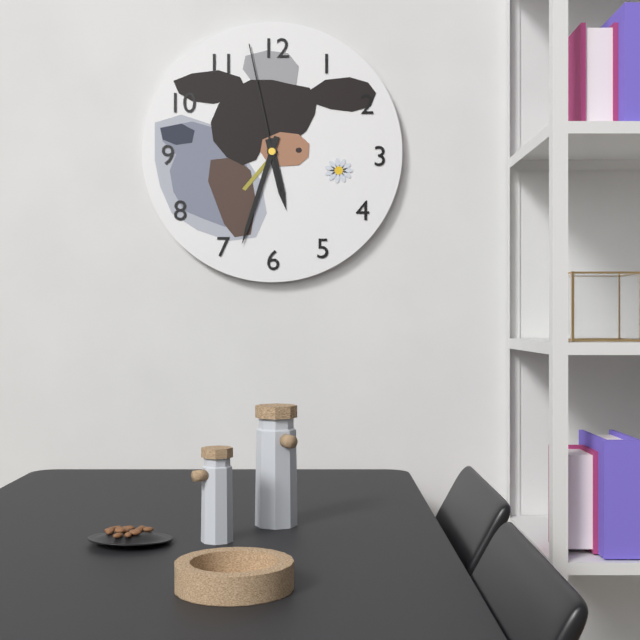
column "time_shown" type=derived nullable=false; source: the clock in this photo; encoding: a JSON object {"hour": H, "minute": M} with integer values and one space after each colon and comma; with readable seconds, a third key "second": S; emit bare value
{"hour": 5, "minute": 33, "second": 58}
